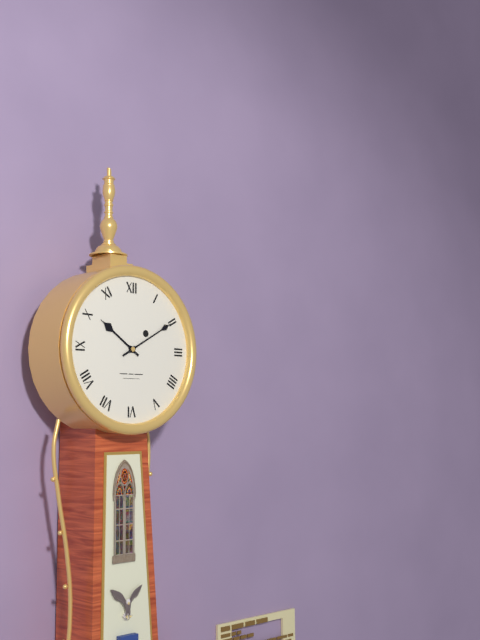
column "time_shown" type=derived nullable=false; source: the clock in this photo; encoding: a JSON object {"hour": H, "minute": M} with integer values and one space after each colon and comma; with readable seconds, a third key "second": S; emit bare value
{"hour": 10, "minute": 10}
